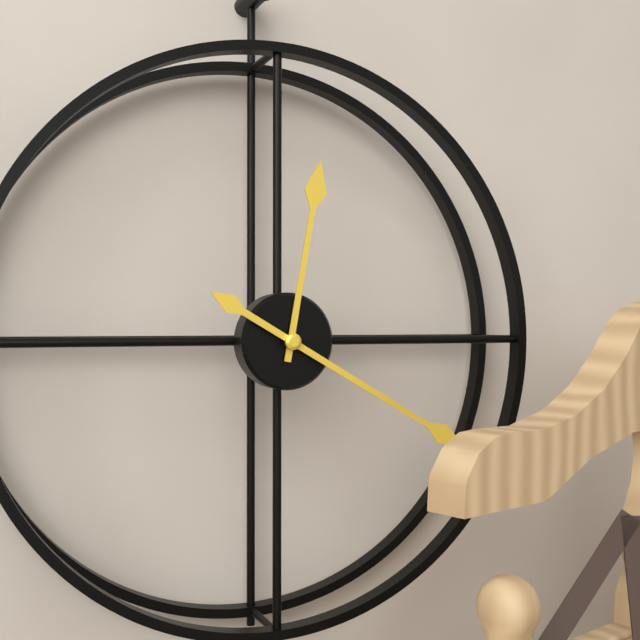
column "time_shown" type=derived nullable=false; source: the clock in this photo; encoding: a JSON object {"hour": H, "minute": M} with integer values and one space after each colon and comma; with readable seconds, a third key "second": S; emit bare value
{"hour": 12, "minute": 20}
